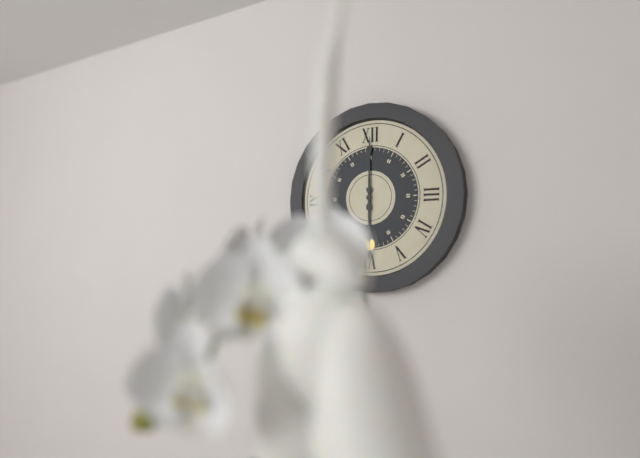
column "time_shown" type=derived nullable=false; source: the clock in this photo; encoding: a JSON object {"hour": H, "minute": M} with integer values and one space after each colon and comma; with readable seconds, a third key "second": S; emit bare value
{"hour": 6, "minute": 0}
